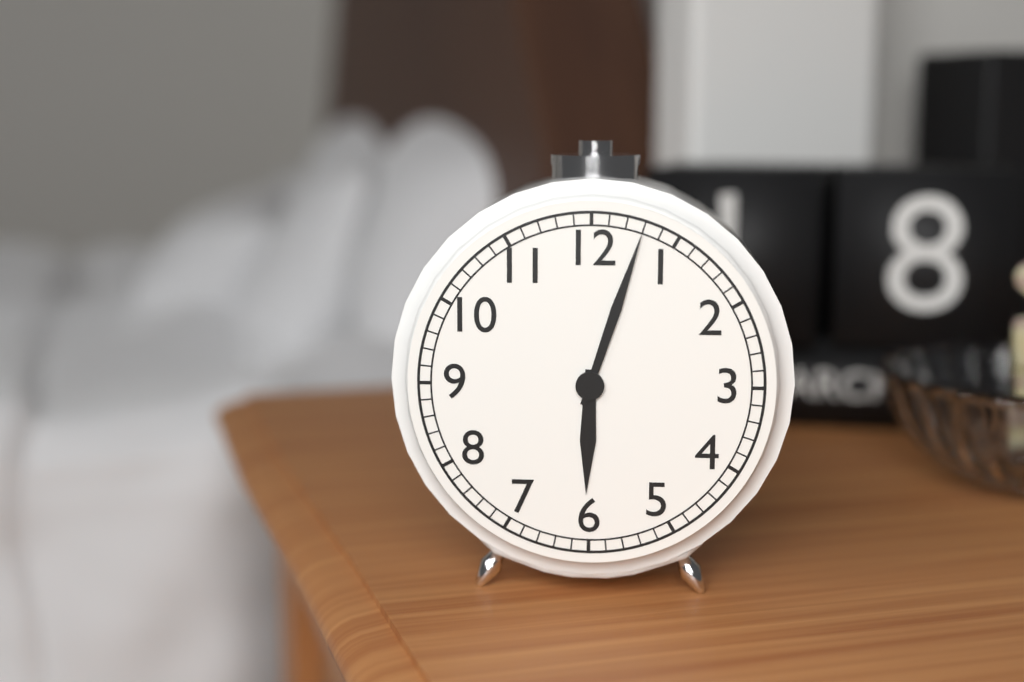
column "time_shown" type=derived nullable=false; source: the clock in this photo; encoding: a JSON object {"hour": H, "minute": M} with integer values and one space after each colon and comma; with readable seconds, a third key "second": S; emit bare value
{"hour": 6, "minute": 3}
